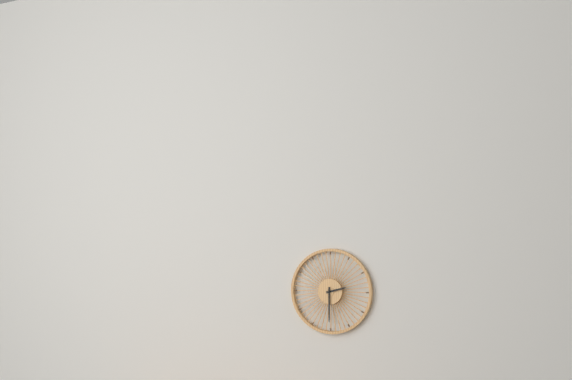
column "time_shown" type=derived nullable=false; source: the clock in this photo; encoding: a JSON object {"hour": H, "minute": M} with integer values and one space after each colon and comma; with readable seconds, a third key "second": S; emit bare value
{"hour": 2, "minute": 30}
